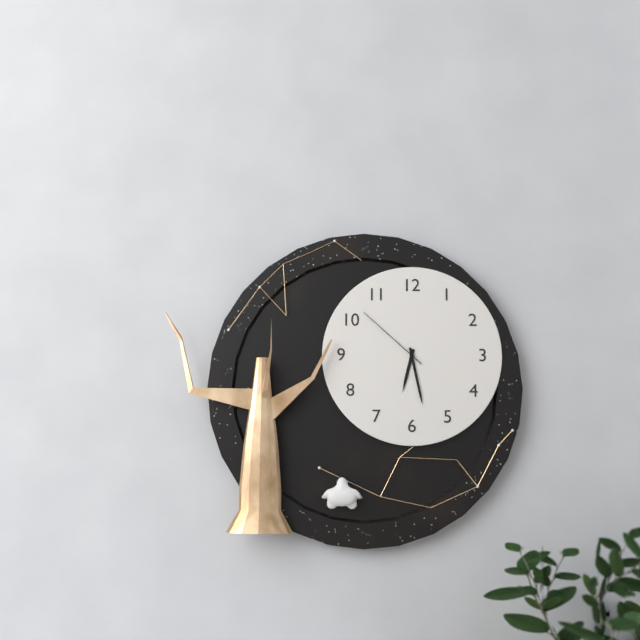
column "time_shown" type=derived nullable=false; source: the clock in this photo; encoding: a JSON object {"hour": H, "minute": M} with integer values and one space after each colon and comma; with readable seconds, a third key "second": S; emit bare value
{"hour": 6, "minute": 28, "second": 52}
